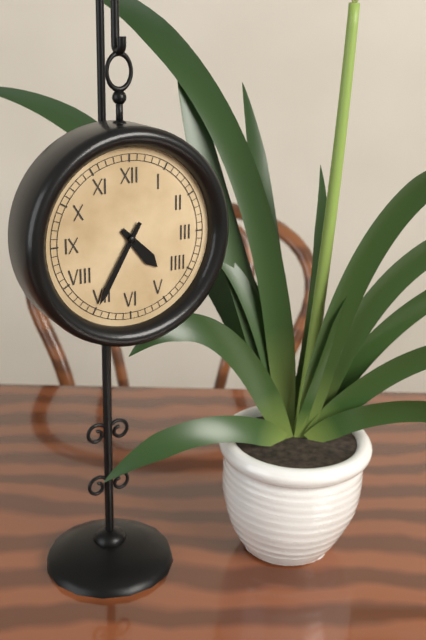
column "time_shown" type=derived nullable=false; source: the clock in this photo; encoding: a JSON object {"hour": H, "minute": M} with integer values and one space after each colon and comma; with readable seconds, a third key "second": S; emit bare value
{"hour": 4, "minute": 35}
